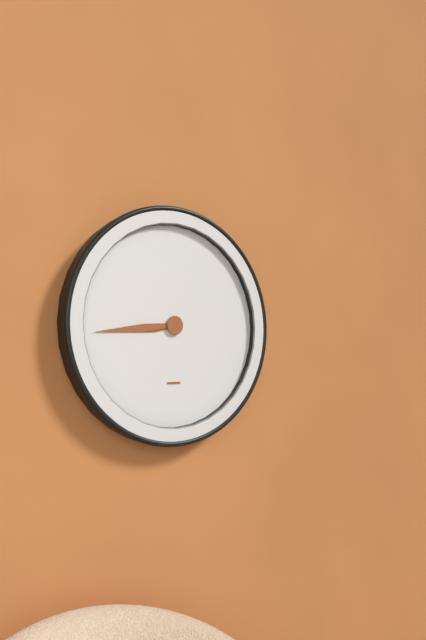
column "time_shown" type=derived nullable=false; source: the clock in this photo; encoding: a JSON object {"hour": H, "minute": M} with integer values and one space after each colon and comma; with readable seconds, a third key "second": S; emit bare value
{"hour": 8, "minute": 44}
